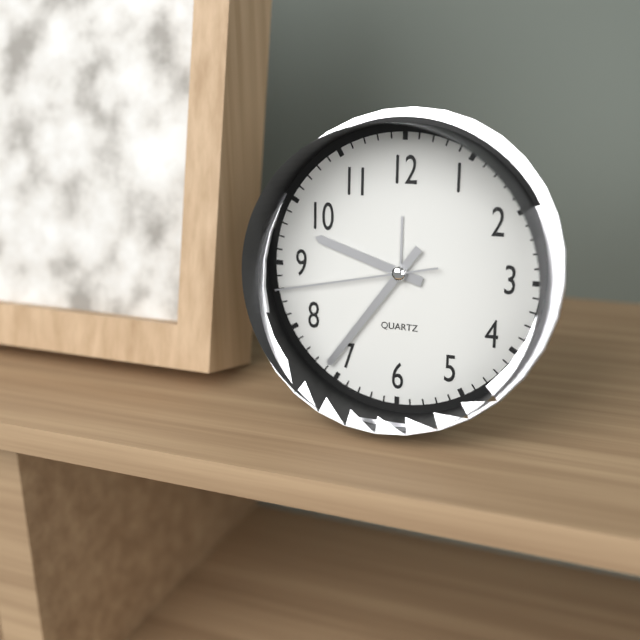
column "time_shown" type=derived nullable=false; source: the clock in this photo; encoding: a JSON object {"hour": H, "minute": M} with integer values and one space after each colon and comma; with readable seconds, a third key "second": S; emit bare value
{"hour": 9, "minute": 36, "second": 43}
